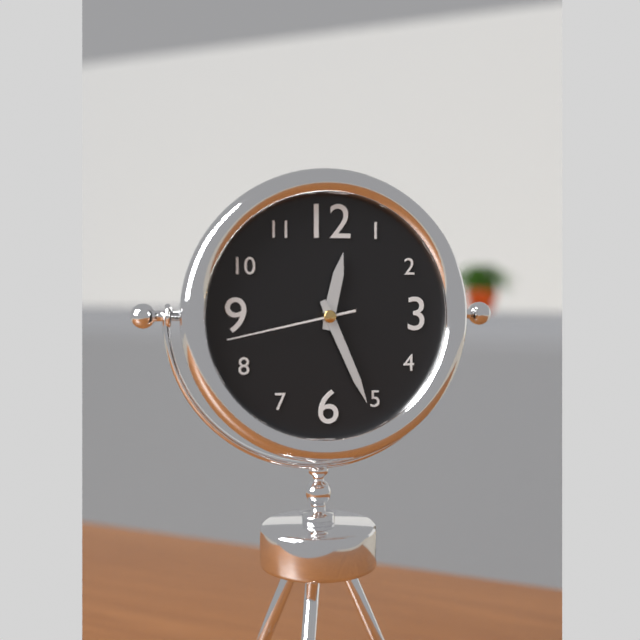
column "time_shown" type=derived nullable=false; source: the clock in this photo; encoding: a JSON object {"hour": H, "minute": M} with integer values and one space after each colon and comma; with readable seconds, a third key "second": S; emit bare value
{"hour": 12, "minute": 26, "second": 43}
